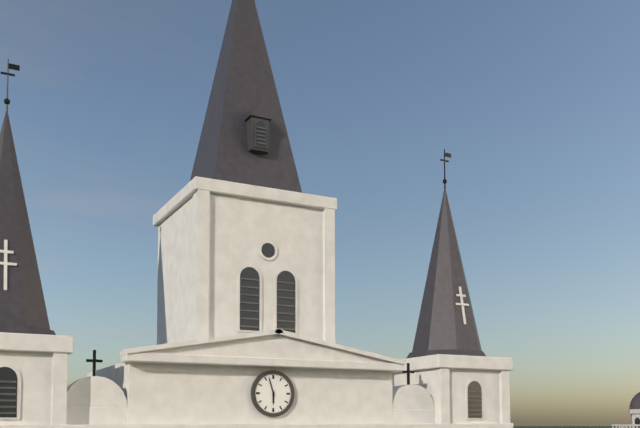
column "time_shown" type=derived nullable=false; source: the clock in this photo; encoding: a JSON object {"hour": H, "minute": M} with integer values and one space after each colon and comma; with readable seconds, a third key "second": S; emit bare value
{"hour": 5, "minute": 57}
